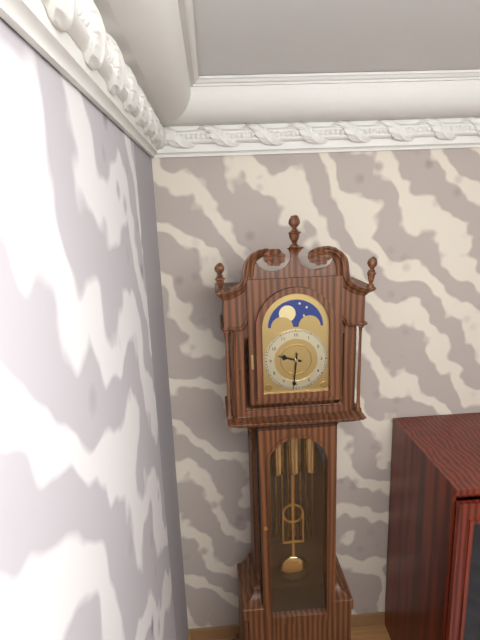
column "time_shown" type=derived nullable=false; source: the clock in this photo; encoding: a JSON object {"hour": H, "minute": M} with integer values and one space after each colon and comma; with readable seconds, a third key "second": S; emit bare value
{"hour": 9, "minute": 31}
